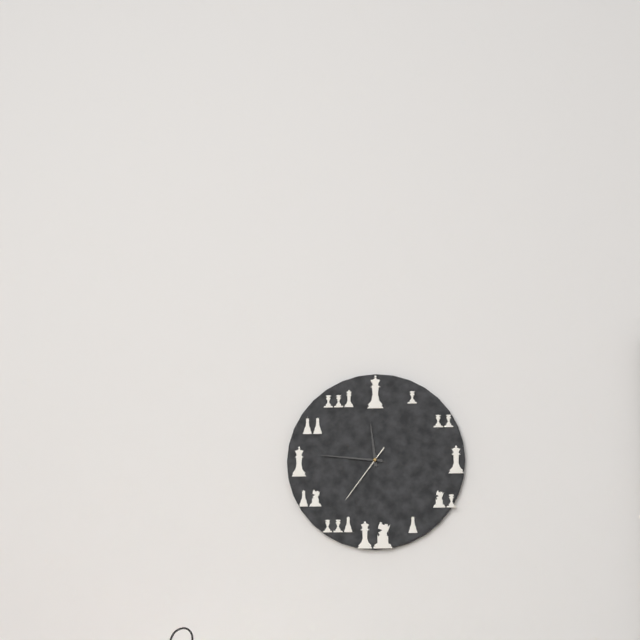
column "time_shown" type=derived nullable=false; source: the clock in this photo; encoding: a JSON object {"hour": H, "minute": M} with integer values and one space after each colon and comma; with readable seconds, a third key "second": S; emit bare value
{"hour": 11, "minute": 46, "second": 36}
